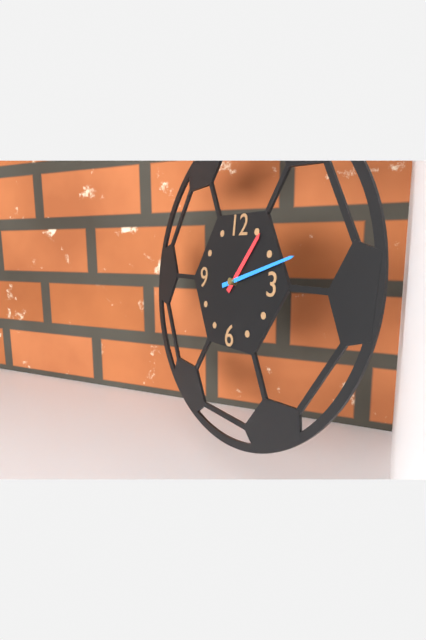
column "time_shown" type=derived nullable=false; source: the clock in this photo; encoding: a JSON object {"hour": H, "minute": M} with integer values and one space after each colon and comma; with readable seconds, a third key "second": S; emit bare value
{"hour": 1, "minute": 12}
